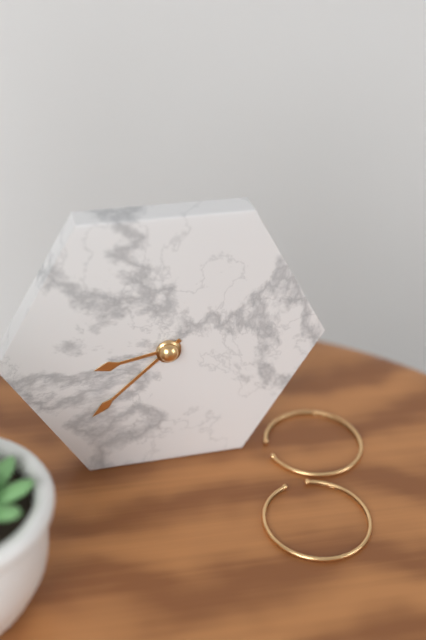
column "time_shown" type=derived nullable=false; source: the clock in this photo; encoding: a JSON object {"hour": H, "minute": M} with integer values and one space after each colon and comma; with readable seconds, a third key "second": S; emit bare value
{"hour": 8, "minute": 38}
